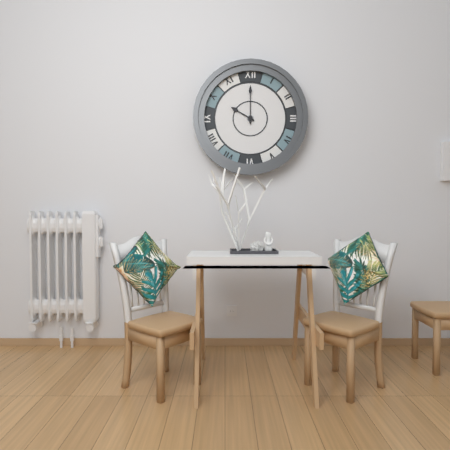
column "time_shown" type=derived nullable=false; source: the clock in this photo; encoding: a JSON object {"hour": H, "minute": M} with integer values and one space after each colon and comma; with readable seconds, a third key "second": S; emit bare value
{"hour": 10, "minute": 0}
